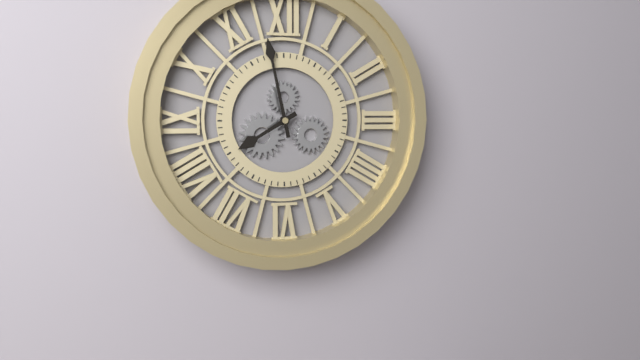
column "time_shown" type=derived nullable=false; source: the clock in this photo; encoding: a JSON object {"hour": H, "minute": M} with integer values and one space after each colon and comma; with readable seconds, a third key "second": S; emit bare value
{"hour": 7, "minute": 58}
